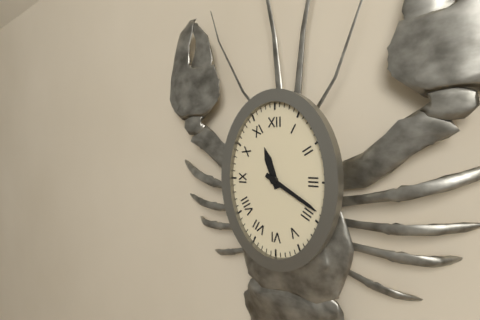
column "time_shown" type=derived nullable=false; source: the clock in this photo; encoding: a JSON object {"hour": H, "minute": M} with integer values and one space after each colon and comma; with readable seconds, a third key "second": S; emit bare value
{"hour": 11, "minute": 20}
